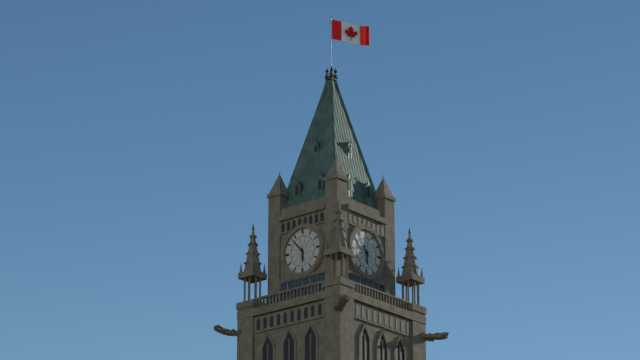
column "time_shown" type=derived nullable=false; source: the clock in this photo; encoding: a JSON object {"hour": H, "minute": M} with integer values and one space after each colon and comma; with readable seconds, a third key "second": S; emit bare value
{"hour": 5, "minute": 53}
